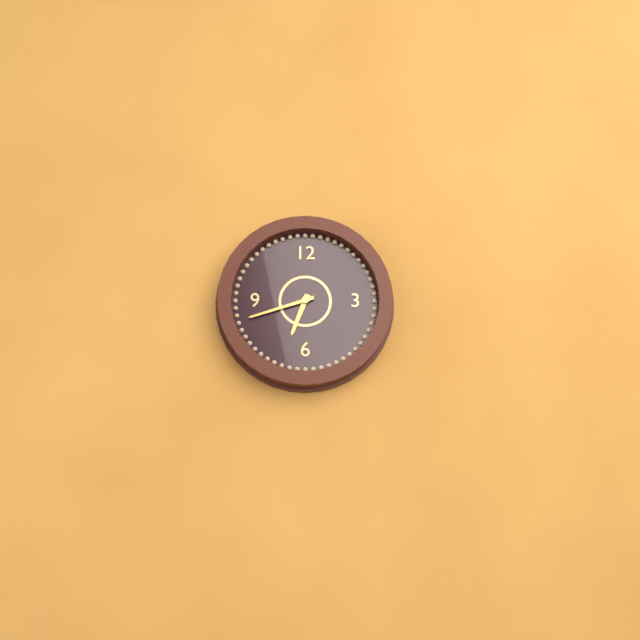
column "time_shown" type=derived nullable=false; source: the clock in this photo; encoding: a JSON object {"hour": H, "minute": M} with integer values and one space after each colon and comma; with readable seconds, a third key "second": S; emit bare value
{"hour": 6, "minute": 42}
